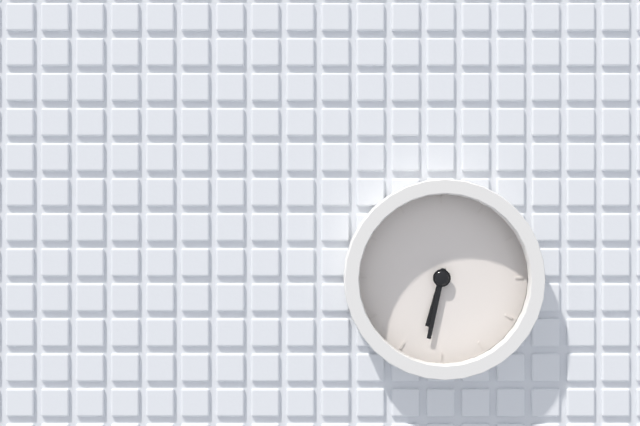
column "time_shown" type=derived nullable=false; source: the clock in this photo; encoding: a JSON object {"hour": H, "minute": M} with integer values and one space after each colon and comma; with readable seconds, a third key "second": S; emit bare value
{"hour": 6, "minute": 32}
